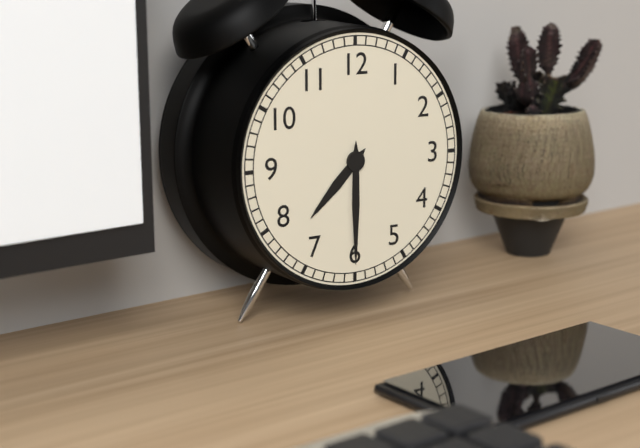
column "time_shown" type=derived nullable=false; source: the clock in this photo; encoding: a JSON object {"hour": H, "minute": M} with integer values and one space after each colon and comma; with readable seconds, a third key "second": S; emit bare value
{"hour": 7, "minute": 30}
